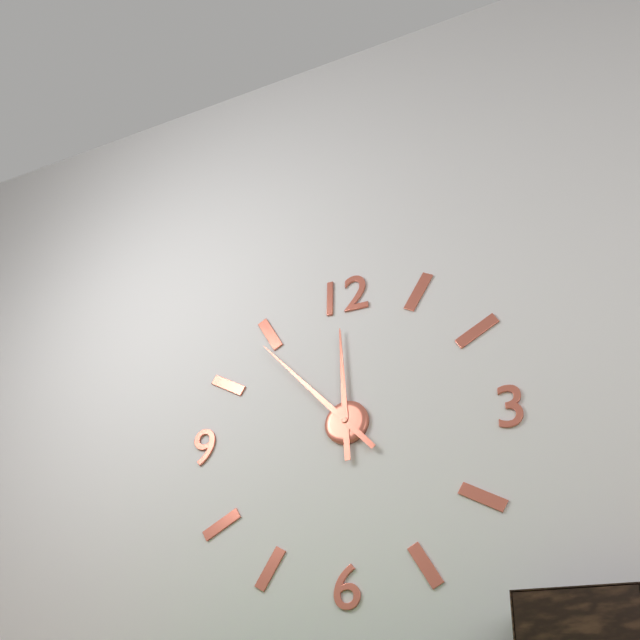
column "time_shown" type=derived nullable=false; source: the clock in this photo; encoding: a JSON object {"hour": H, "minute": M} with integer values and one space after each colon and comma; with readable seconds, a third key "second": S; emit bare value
{"hour": 11, "minute": 53}
